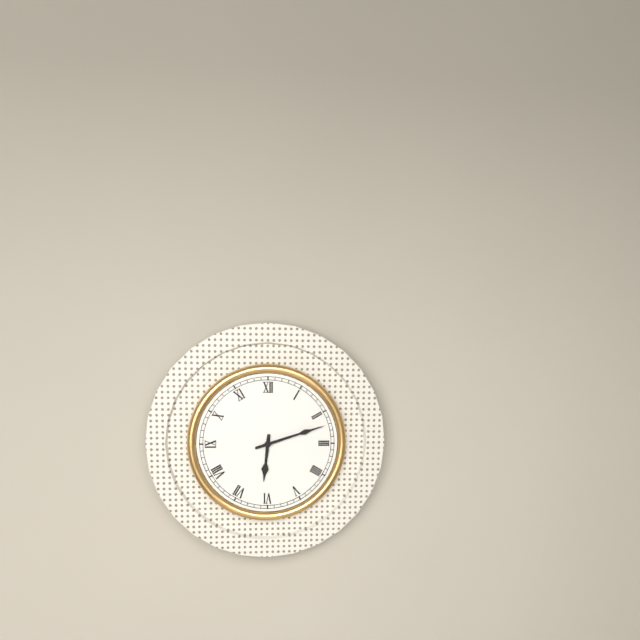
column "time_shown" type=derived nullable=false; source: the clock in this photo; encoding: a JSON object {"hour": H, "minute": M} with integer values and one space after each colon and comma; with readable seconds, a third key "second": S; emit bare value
{"hour": 6, "minute": 12}
